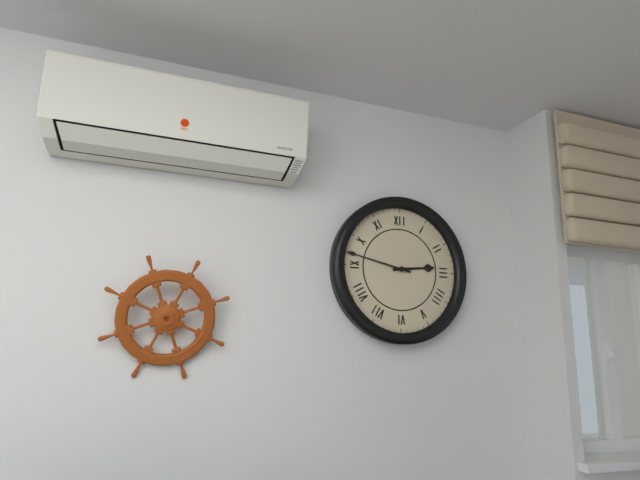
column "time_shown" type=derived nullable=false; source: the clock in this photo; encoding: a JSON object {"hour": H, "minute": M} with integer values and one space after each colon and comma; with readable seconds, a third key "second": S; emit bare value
{"hour": 2, "minute": 47}
